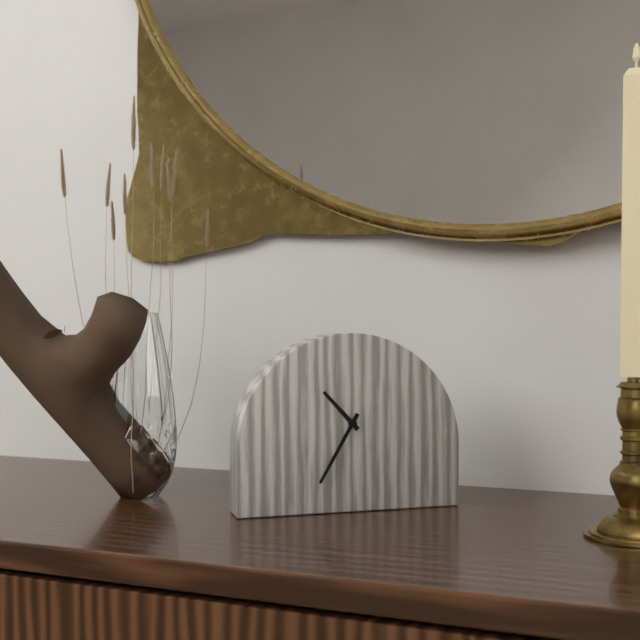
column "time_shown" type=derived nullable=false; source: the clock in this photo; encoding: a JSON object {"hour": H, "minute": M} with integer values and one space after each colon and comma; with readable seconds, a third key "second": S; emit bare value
{"hour": 10, "minute": 35}
